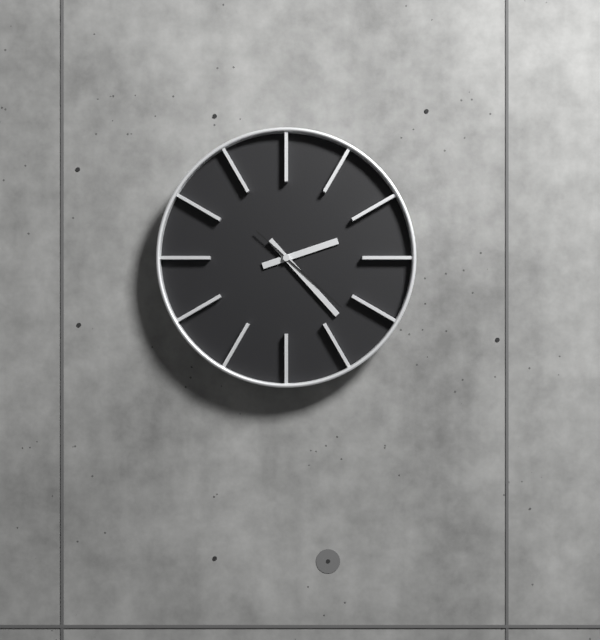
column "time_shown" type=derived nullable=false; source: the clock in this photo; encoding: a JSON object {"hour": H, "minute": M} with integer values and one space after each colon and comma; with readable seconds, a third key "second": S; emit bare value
{"hour": 2, "minute": 23, "second": 22}
